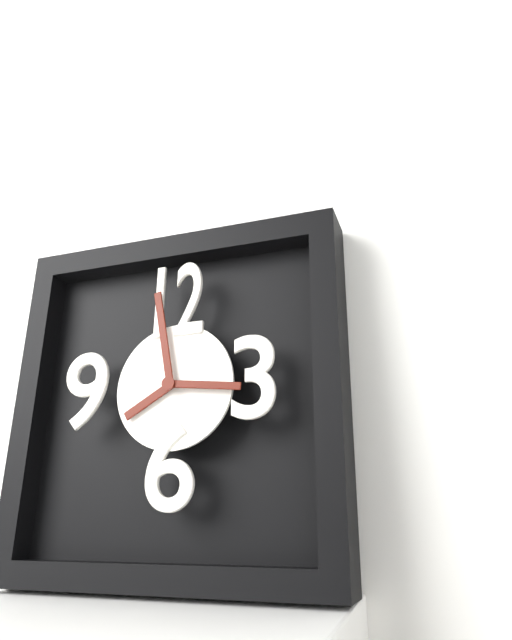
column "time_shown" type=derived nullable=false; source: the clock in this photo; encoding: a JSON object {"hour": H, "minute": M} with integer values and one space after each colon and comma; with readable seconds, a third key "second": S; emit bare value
{"hour": 7, "minute": 58, "second": 16}
